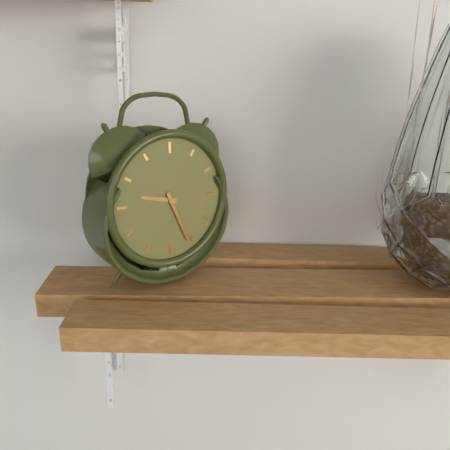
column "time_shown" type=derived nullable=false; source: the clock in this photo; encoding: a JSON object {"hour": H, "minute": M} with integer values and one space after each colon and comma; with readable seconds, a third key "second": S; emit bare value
{"hour": 9, "minute": 26}
